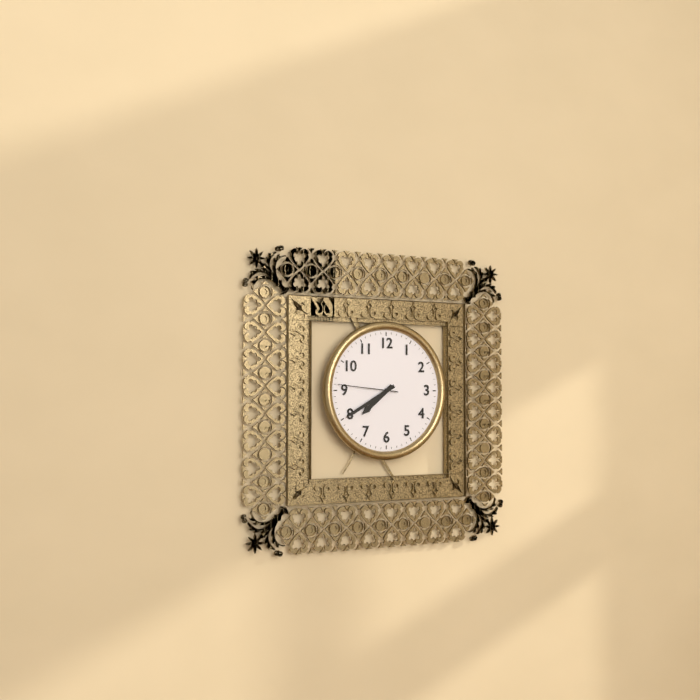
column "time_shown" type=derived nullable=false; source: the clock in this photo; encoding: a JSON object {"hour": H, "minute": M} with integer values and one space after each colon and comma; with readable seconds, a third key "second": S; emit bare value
{"hour": 7, "minute": 40, "second": 46}
